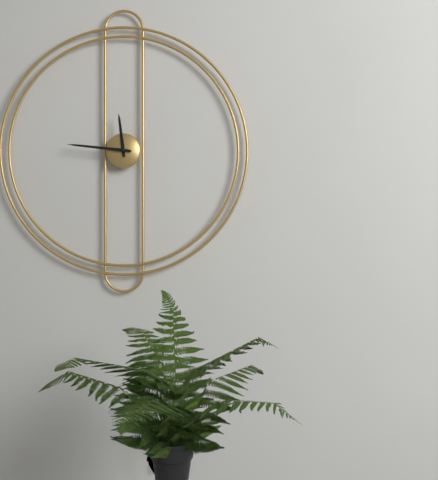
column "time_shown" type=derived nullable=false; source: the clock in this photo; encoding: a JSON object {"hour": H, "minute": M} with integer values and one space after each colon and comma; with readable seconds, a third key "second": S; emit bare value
{"hour": 11, "minute": 46}
